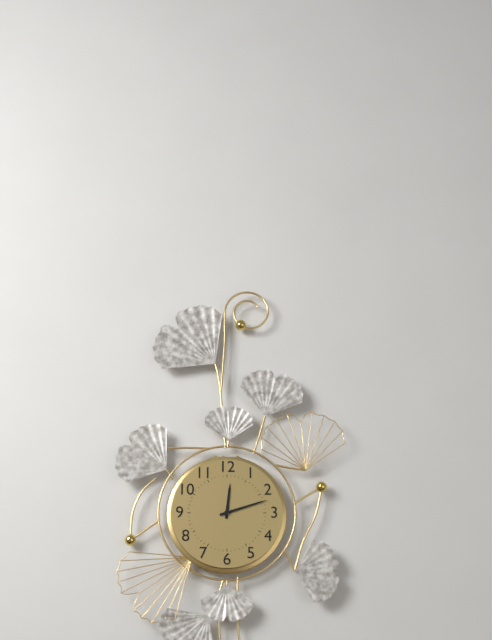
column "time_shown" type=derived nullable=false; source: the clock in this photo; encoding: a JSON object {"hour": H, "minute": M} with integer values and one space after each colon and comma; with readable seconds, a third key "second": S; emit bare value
{"hour": 12, "minute": 12}
